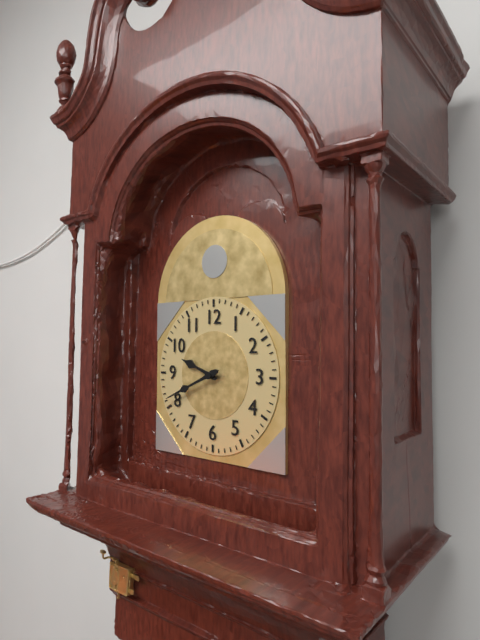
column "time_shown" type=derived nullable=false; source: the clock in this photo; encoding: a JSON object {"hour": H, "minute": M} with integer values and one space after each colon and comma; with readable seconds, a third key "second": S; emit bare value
{"hour": 9, "minute": 41}
